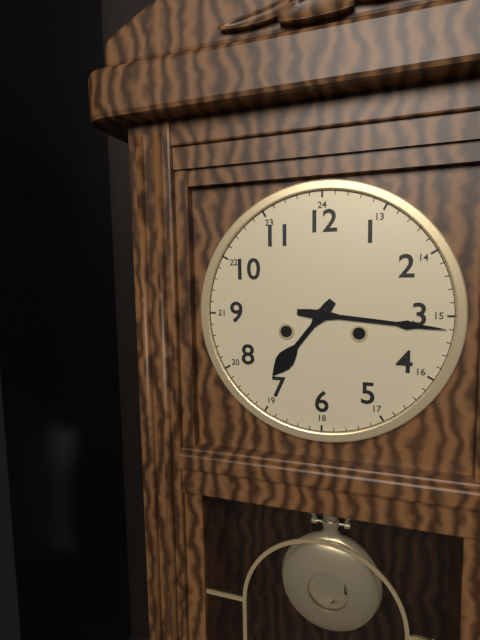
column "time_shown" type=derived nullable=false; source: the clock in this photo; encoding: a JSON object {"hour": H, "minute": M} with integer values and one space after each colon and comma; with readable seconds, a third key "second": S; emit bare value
{"hour": 7, "minute": 16}
